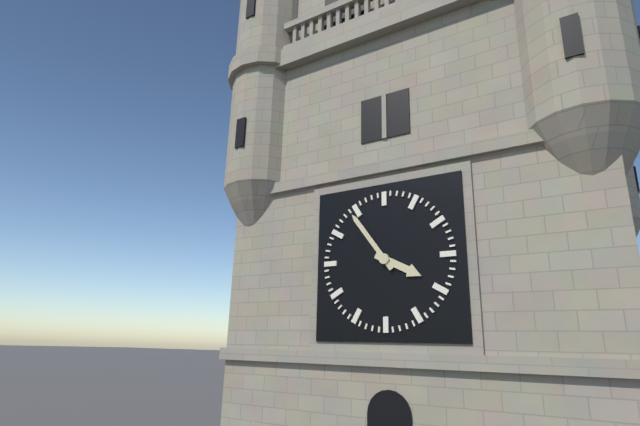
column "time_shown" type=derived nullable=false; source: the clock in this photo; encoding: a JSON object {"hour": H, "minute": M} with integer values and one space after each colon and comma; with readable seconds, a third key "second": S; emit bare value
{"hour": 3, "minute": 54}
